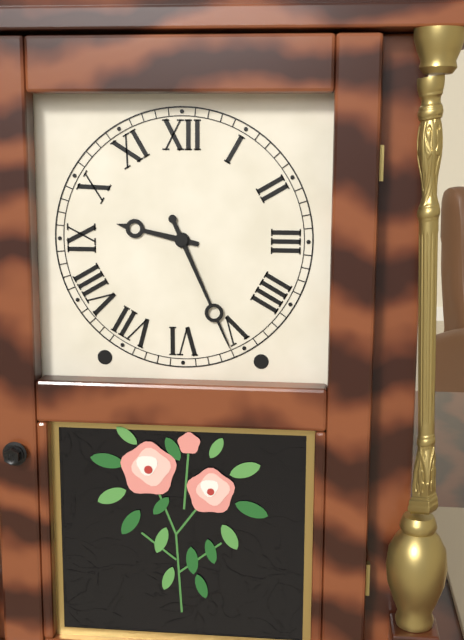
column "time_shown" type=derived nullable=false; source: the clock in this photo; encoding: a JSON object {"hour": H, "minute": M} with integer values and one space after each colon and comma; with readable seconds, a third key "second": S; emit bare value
{"hour": 9, "minute": 26}
